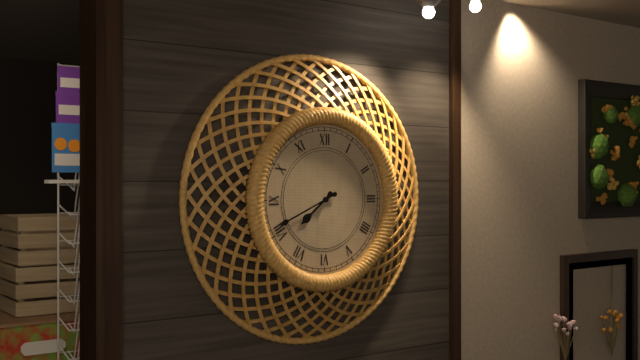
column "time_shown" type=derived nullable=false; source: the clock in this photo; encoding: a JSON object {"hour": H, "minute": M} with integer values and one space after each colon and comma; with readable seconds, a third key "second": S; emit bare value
{"hour": 7, "minute": 41}
